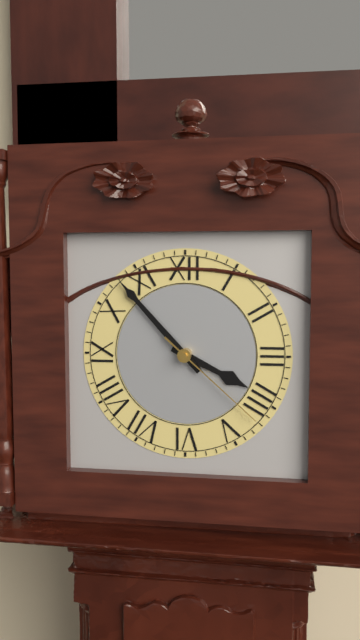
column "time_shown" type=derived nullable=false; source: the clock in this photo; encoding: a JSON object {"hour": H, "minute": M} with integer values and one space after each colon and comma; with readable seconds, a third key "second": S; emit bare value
{"hour": 3, "minute": 53, "second": 22}
